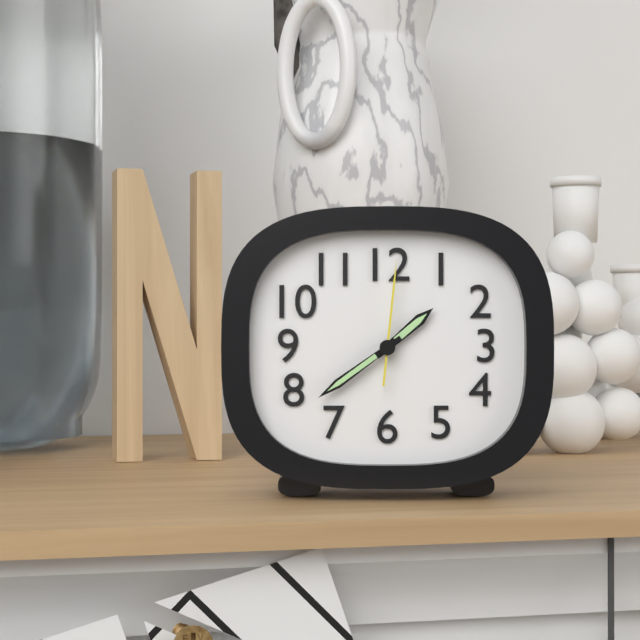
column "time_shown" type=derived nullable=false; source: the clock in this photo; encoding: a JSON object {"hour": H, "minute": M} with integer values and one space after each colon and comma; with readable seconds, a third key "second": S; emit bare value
{"hour": 1, "minute": 39, "second": 1}
